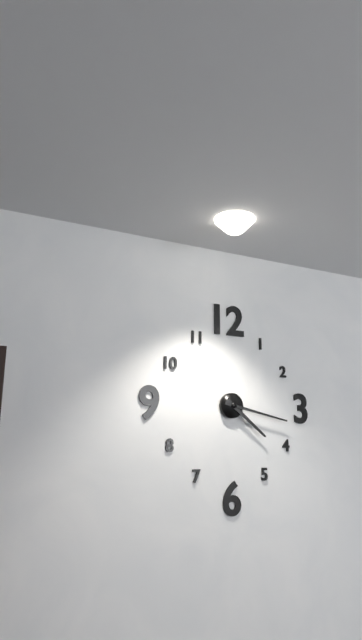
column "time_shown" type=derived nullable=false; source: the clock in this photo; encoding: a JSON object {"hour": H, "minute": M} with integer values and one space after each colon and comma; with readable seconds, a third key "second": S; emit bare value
{"hour": 4, "minute": 17}
